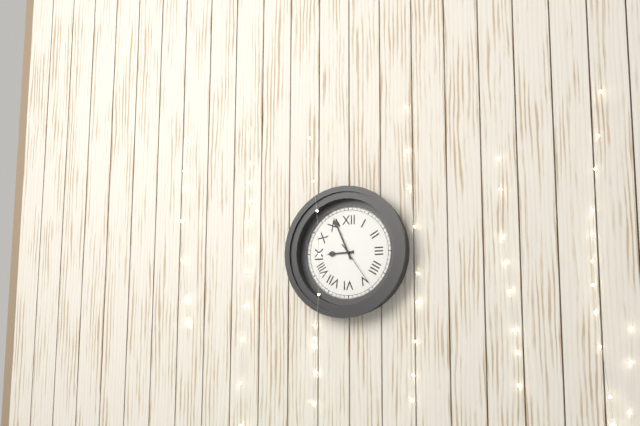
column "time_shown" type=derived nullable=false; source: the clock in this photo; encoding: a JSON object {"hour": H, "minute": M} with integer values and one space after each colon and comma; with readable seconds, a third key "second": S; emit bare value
{"hour": 8, "minute": 56}
